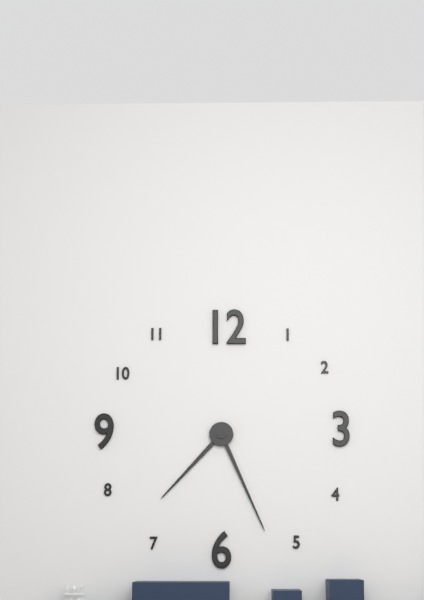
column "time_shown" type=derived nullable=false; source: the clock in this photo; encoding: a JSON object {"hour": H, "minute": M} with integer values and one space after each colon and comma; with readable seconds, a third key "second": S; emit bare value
{"hour": 7, "minute": 26}
